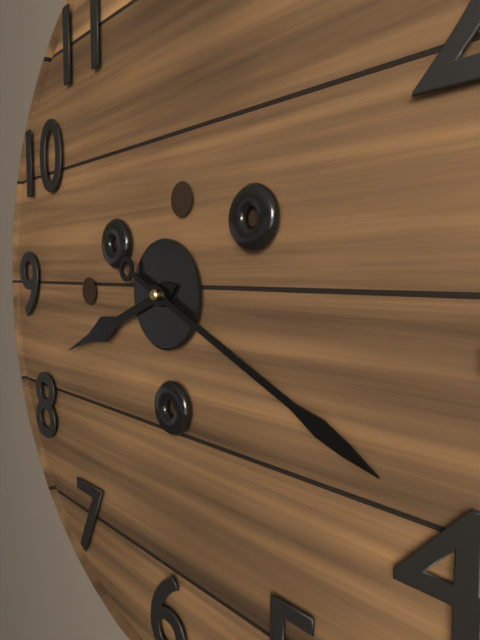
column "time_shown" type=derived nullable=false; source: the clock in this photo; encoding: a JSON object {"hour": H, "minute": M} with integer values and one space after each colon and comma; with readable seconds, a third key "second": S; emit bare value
{"hour": 8, "minute": 19}
